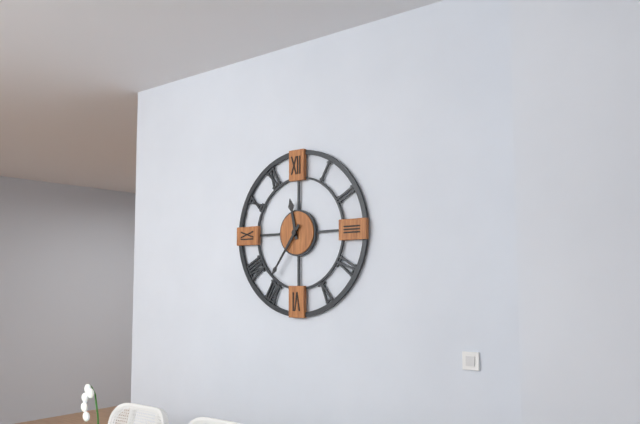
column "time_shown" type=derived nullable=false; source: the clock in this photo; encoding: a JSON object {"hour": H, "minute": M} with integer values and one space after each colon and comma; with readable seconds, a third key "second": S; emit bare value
{"hour": 11, "minute": 36}
